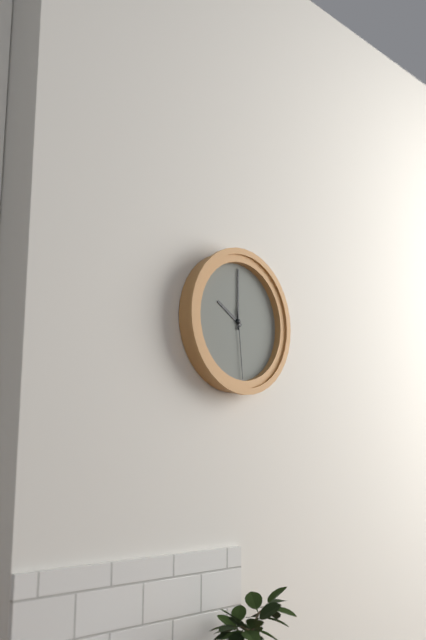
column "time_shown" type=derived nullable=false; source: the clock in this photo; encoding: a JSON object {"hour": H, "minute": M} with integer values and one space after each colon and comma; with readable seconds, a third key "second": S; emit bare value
{"hour": 10, "minute": 0, "second": 29}
